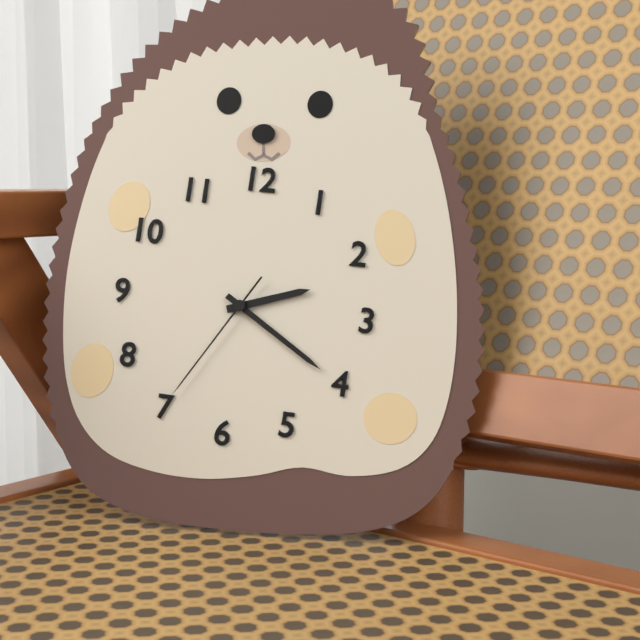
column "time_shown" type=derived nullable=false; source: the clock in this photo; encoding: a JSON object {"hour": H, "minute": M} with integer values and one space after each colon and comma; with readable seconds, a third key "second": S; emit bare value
{"hour": 2, "minute": 20, "second": 35}
